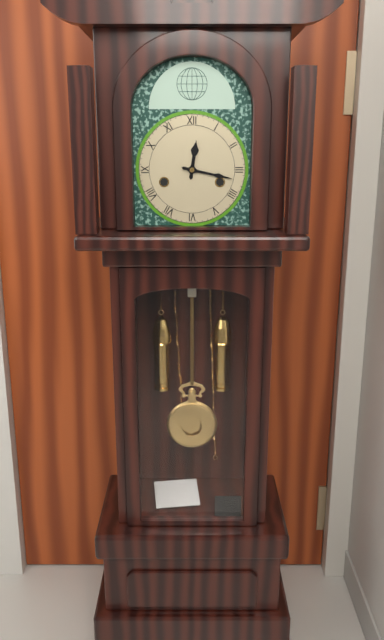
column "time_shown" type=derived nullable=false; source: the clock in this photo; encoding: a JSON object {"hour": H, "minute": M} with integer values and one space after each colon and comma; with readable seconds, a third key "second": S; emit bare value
{"hour": 12, "minute": 17}
